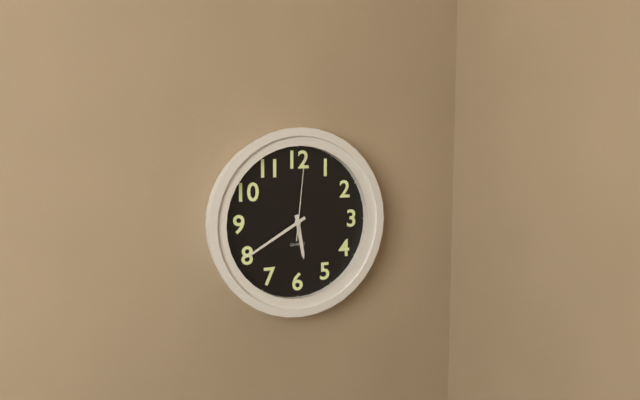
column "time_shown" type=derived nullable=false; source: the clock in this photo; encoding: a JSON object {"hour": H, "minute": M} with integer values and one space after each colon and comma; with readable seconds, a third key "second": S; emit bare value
{"hour": 5, "minute": 40, "second": 1}
